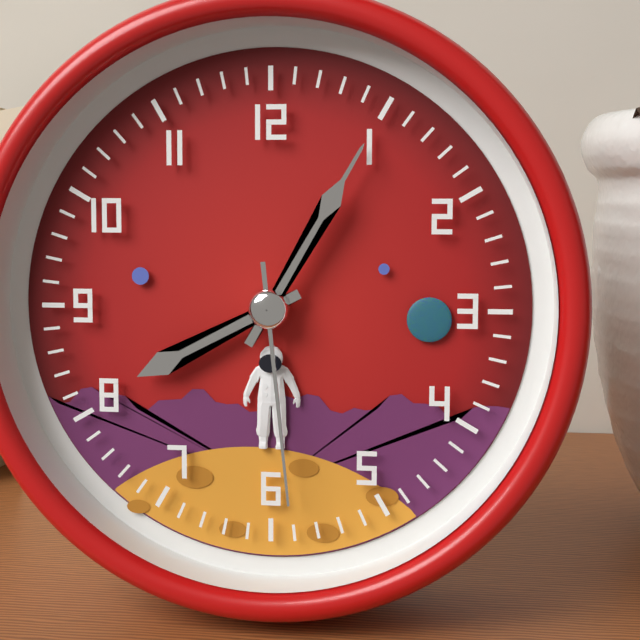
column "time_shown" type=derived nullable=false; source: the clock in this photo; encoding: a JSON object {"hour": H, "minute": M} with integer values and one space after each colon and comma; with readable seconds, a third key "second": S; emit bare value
{"hour": 8, "minute": 5, "second": 29}
